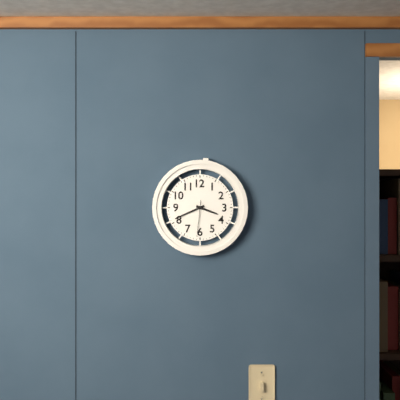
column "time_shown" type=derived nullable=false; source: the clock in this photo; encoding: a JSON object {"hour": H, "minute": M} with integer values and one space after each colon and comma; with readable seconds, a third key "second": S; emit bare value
{"hour": 3, "minute": 41}
